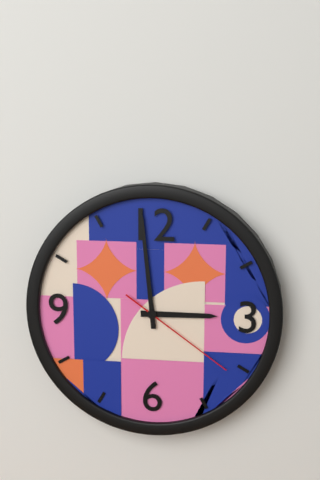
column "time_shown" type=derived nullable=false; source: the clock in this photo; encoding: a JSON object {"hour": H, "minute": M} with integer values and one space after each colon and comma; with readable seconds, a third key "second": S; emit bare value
{"hour": 2, "minute": 59, "second": 21}
